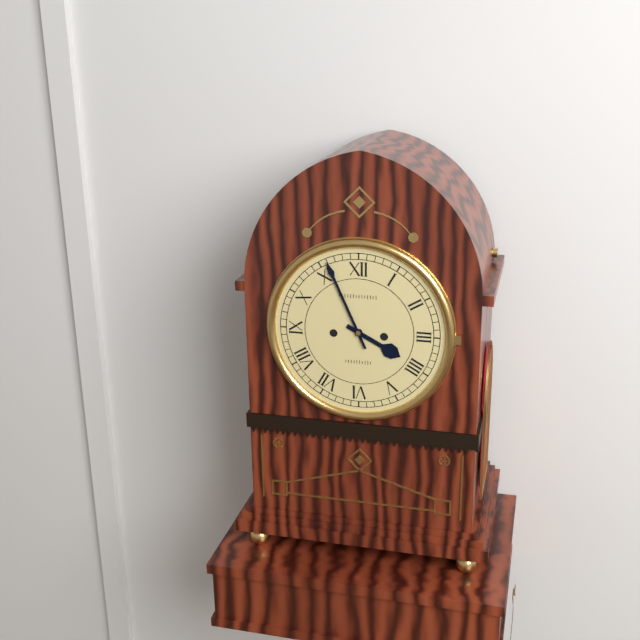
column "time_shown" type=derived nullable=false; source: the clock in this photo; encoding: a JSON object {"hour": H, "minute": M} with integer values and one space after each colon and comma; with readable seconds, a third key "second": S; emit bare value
{"hour": 3, "minute": 56}
